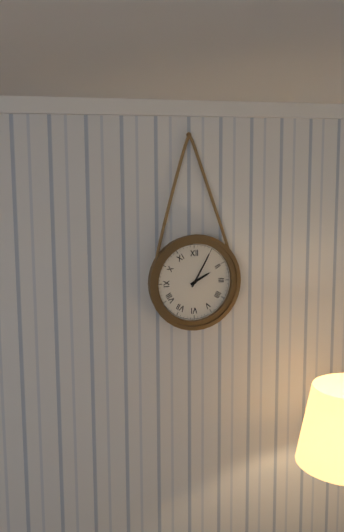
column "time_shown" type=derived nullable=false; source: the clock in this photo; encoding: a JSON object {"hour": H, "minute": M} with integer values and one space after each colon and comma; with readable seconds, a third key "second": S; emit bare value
{"hour": 2, "minute": 5}
